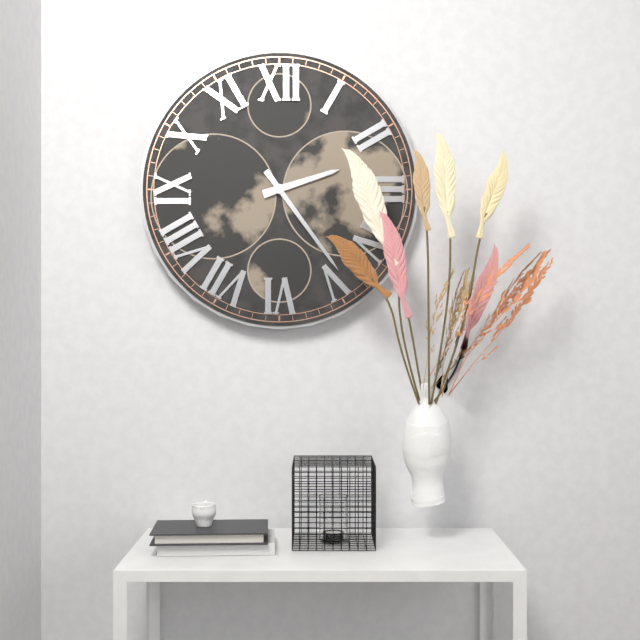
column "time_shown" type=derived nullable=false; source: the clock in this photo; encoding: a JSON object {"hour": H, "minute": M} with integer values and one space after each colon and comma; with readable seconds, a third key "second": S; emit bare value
{"hour": 2, "minute": 24}
